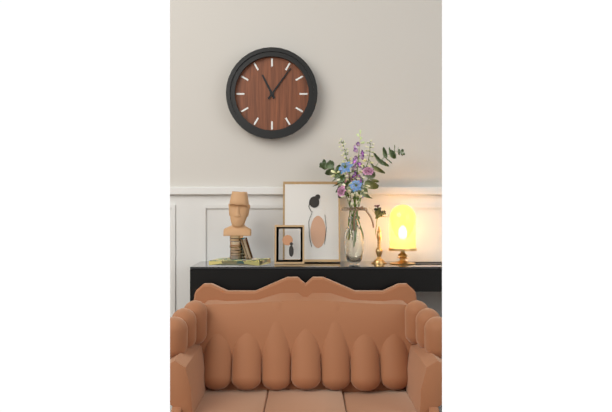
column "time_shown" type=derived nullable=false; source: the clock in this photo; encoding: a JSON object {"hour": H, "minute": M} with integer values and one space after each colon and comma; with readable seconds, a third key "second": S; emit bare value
{"hour": 11, "minute": 6}
